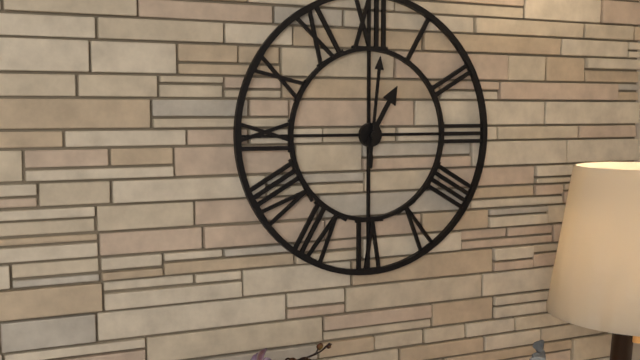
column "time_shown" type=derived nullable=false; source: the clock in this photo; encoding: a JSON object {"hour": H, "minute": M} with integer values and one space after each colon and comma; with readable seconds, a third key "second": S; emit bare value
{"hour": 1, "minute": 1}
